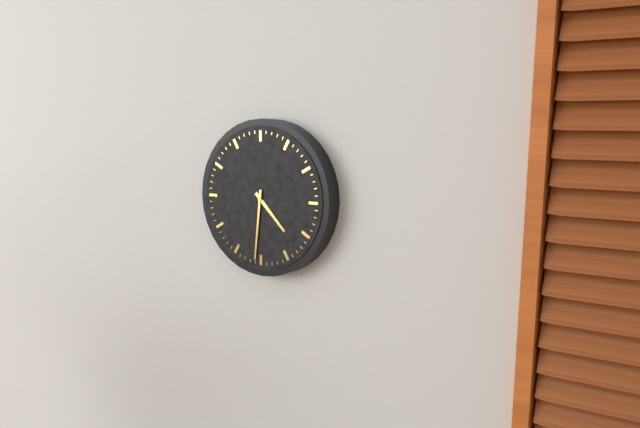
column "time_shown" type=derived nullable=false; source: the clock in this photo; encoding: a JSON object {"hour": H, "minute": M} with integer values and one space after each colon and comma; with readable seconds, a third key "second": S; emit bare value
{"hour": 4, "minute": 31}
